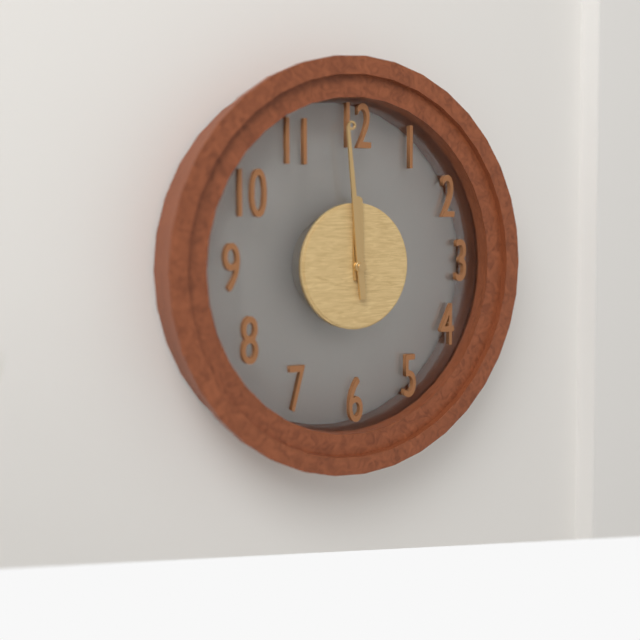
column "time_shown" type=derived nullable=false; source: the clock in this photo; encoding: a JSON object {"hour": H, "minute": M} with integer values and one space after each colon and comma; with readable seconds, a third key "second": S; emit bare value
{"hour": 11, "minute": 59}
